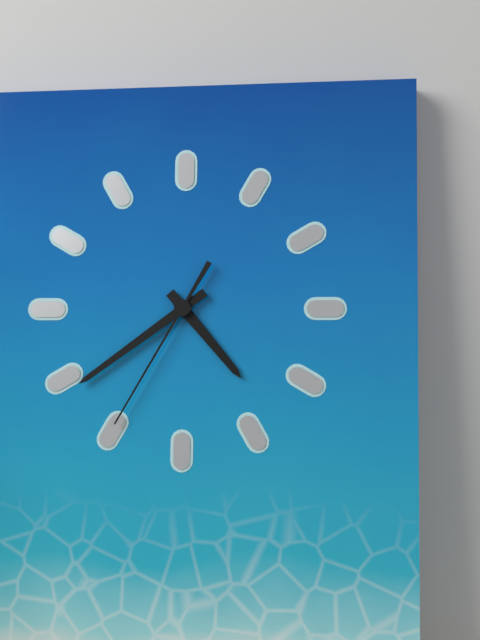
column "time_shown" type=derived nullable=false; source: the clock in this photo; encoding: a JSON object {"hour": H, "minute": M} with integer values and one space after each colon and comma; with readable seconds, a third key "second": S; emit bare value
{"hour": 4, "minute": 39, "second": 35}
